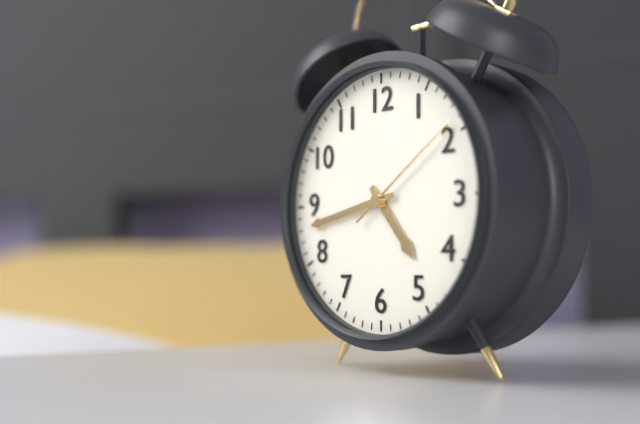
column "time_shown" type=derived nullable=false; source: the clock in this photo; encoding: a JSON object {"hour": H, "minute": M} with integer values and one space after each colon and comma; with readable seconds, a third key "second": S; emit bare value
{"hour": 4, "minute": 43, "second": 9}
